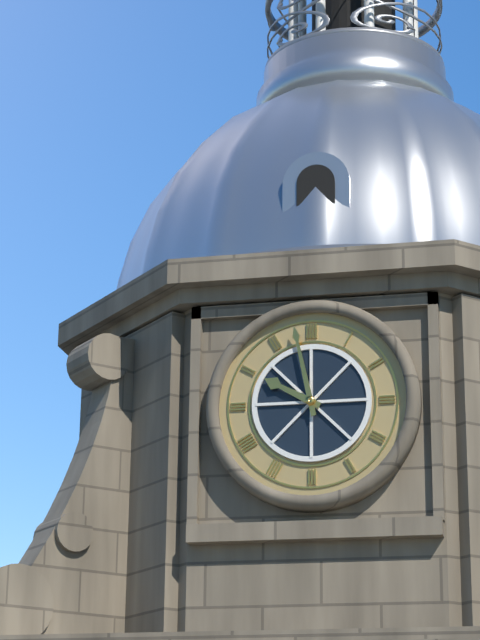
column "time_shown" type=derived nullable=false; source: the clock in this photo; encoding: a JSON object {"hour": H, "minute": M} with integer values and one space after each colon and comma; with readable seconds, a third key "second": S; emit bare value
{"hour": 9, "minute": 58}
